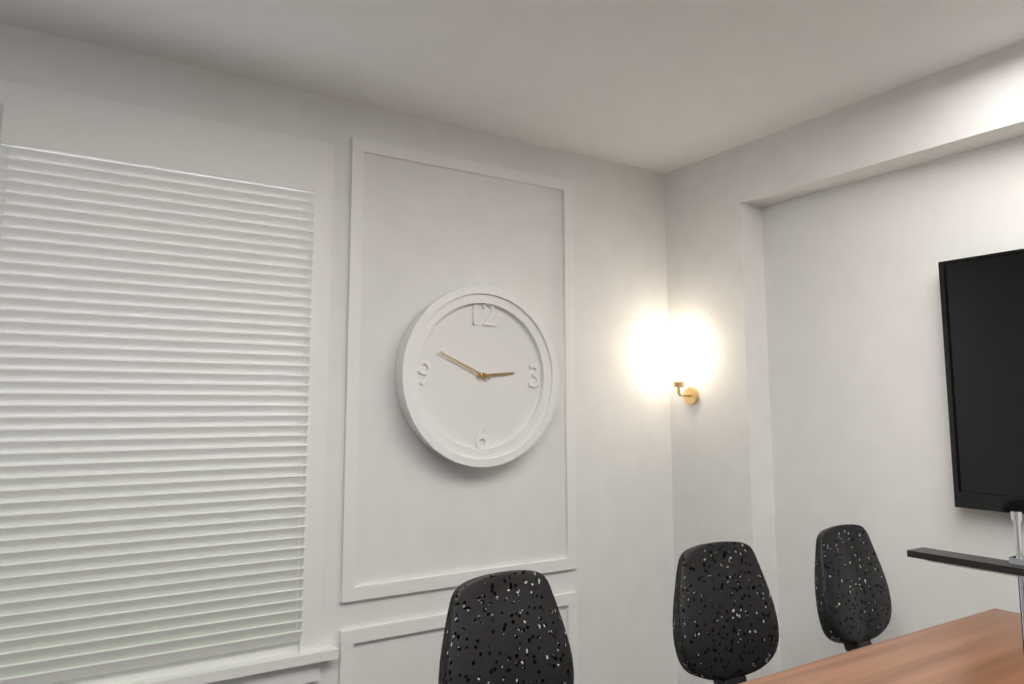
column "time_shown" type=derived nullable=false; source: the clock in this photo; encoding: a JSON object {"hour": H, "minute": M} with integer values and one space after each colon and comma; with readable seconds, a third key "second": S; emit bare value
{"hour": 2, "minute": 49}
